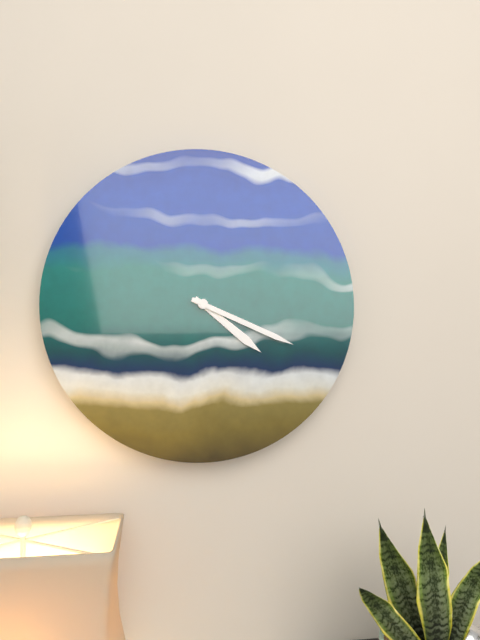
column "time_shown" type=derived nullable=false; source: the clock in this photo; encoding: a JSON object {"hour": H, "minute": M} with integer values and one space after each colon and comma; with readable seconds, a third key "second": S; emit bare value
{"hour": 4, "minute": 19}
